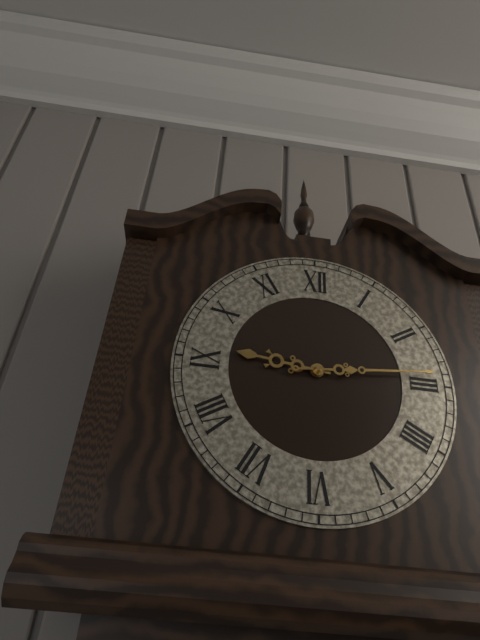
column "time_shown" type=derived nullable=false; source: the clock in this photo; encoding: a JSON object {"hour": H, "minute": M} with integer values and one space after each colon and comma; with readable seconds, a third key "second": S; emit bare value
{"hour": 9, "minute": 14}
